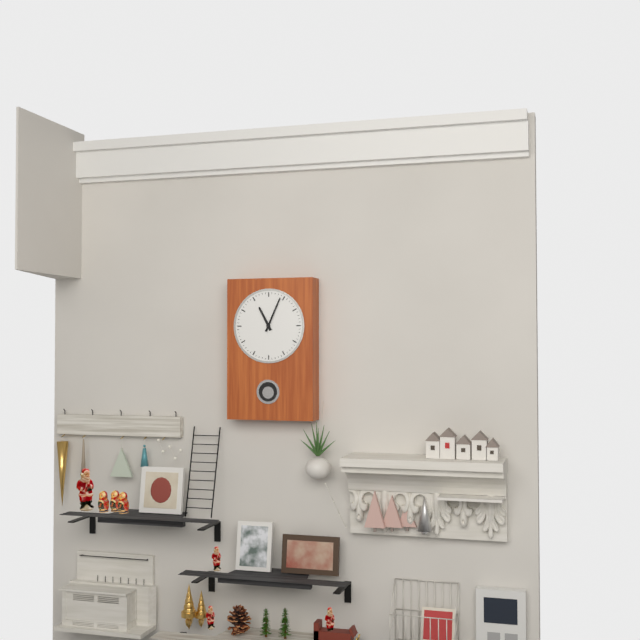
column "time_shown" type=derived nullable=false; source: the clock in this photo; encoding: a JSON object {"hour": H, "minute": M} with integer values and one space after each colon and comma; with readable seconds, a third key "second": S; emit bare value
{"hour": 11, "minute": 4}
